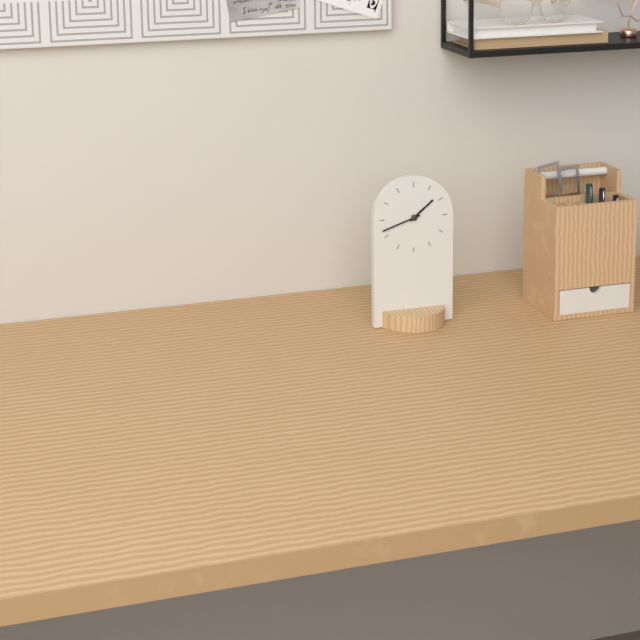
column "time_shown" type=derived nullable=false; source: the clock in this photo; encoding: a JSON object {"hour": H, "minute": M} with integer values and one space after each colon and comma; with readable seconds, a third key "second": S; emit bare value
{"hour": 1, "minute": 42}
